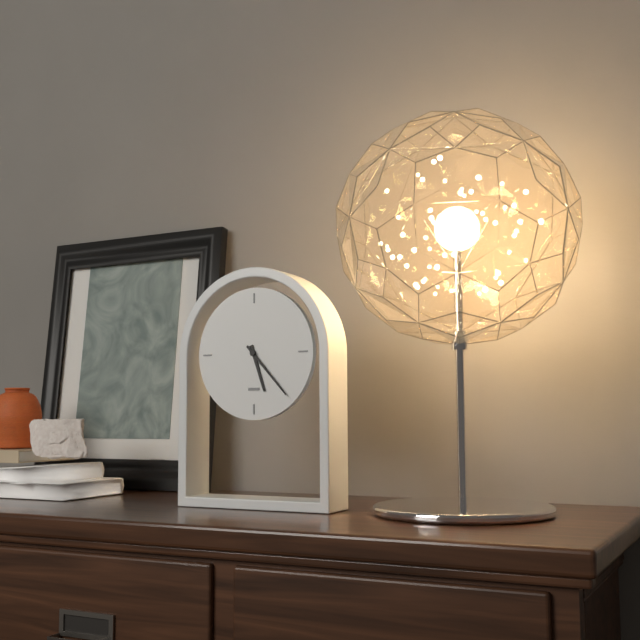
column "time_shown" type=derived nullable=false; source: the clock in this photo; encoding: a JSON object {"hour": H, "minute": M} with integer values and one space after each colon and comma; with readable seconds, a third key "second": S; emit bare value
{"hour": 5, "minute": 23}
